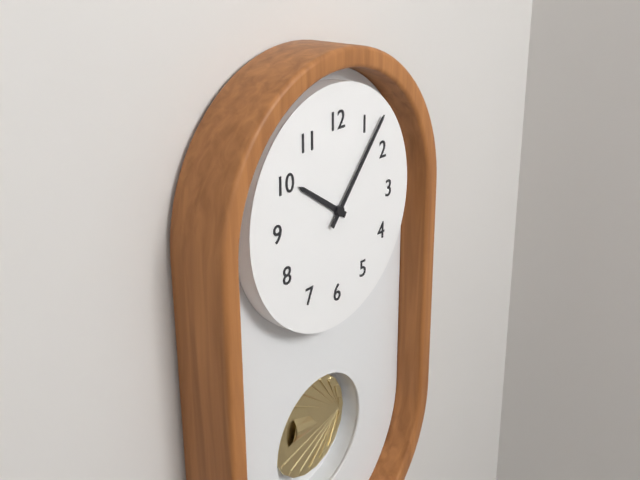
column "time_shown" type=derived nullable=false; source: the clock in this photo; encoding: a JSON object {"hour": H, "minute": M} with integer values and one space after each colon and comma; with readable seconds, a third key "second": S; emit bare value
{"hour": 10, "minute": 7}
